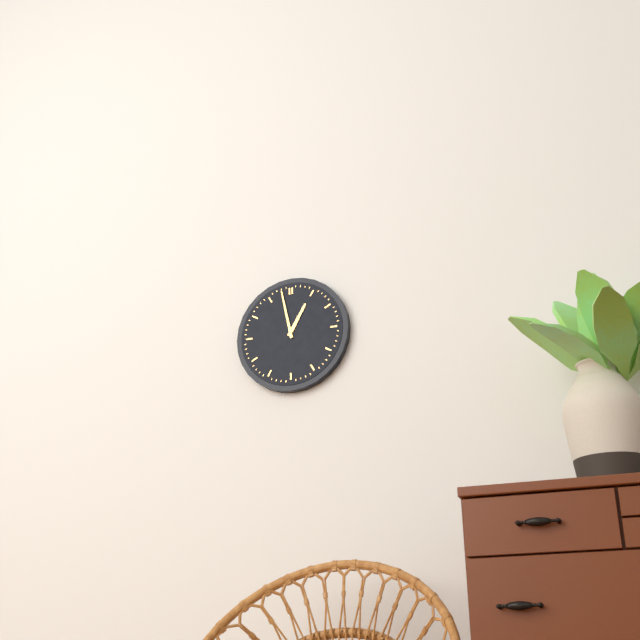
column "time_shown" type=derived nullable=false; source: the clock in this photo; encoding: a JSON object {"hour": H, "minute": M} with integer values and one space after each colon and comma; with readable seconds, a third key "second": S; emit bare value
{"hour": 12, "minute": 58}
